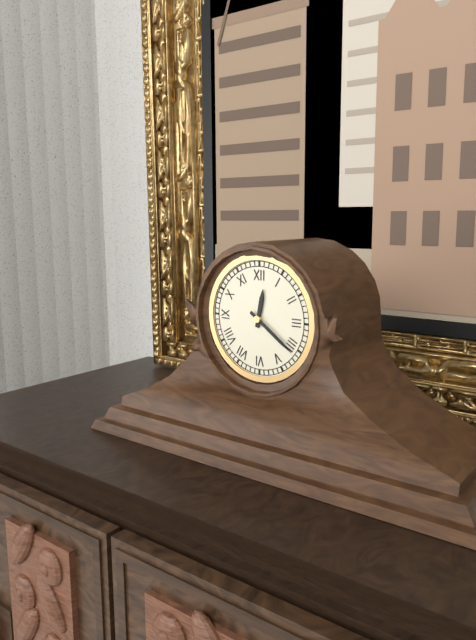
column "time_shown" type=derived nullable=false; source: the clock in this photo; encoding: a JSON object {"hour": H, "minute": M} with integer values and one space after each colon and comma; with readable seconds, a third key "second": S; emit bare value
{"hour": 12, "minute": 21}
